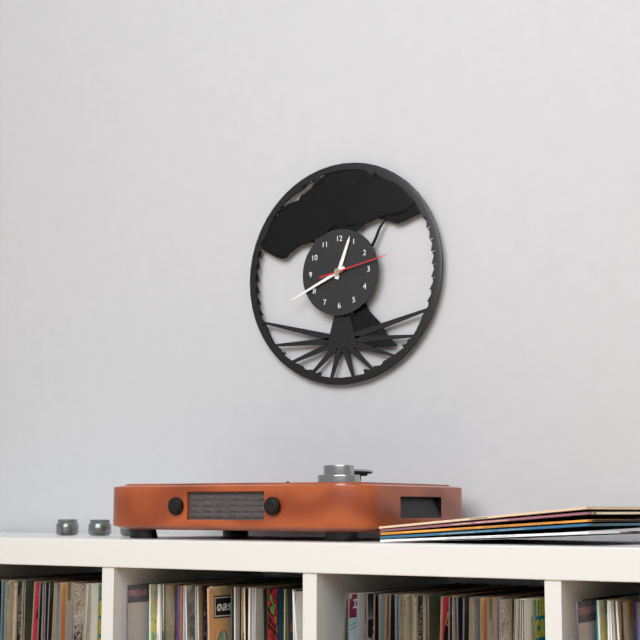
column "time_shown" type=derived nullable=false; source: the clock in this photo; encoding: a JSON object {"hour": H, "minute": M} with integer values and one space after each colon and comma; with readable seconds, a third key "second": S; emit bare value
{"hour": 12, "minute": 41, "second": 13}
